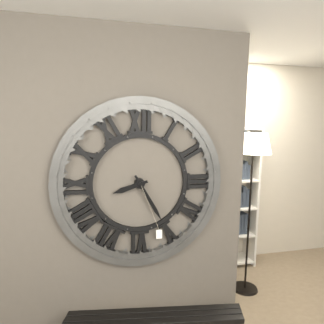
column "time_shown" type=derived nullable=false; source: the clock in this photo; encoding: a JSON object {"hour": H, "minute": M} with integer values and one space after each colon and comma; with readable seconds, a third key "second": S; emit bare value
{"hour": 8, "minute": 25}
